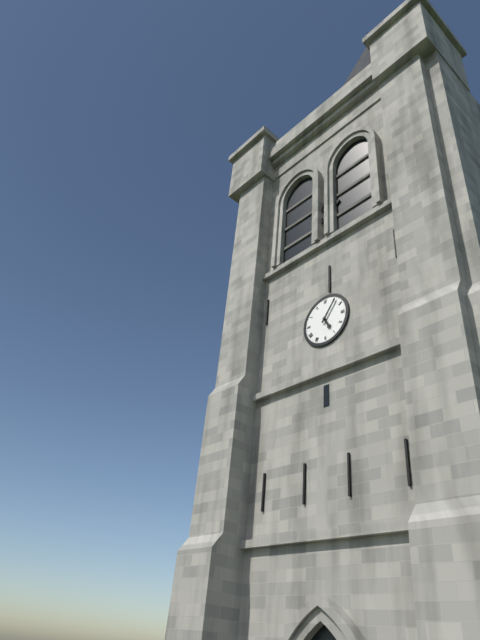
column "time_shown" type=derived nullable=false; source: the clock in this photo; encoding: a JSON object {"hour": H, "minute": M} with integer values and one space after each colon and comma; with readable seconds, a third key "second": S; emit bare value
{"hour": 5, "minute": 6}
